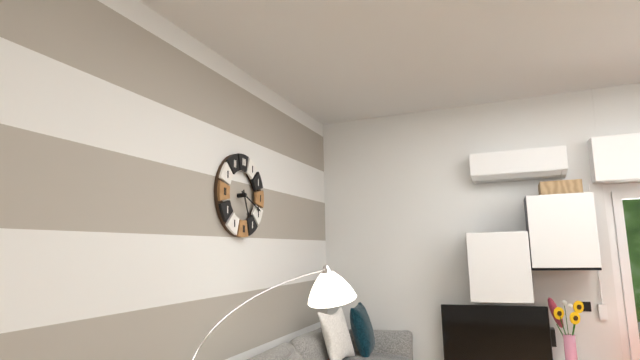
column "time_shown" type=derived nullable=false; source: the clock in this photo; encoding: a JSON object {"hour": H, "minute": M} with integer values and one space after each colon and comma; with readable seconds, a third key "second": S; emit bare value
{"hour": 5, "minute": 19}
